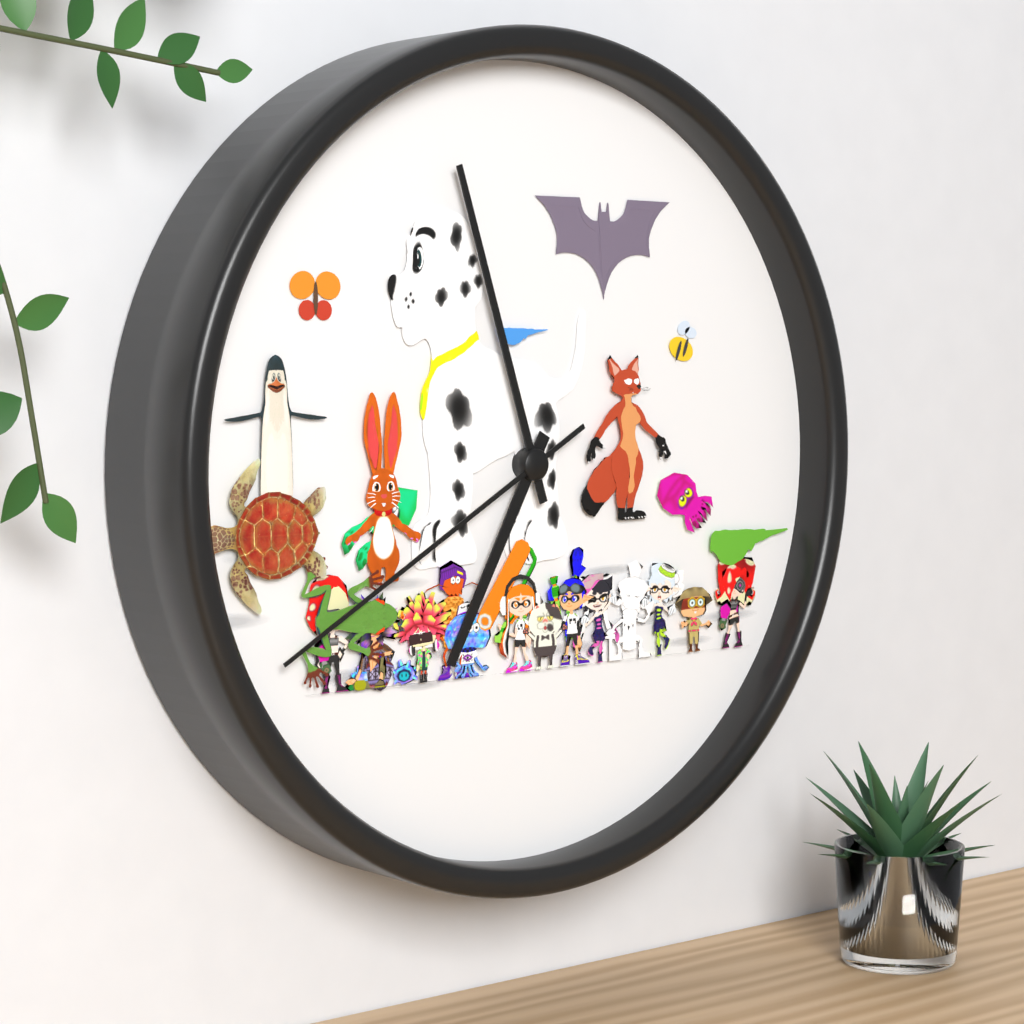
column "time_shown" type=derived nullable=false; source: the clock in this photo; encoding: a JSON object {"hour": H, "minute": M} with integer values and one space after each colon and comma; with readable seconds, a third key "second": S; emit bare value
{"hour": 6, "minute": 57, "second": 40}
